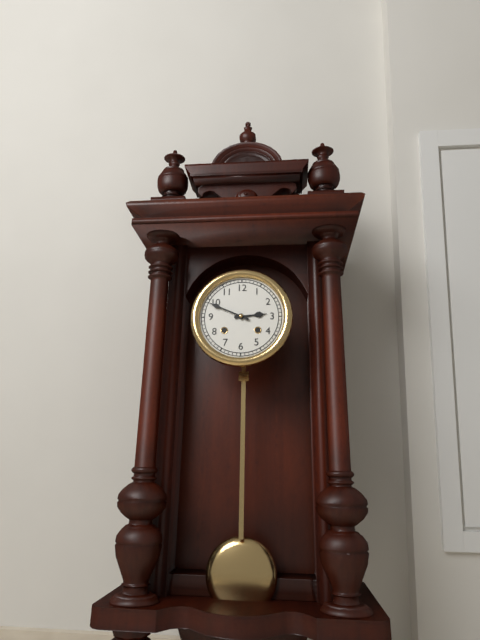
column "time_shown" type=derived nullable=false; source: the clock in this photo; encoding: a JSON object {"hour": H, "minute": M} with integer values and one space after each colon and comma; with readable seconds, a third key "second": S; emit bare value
{"hour": 2, "minute": 49}
